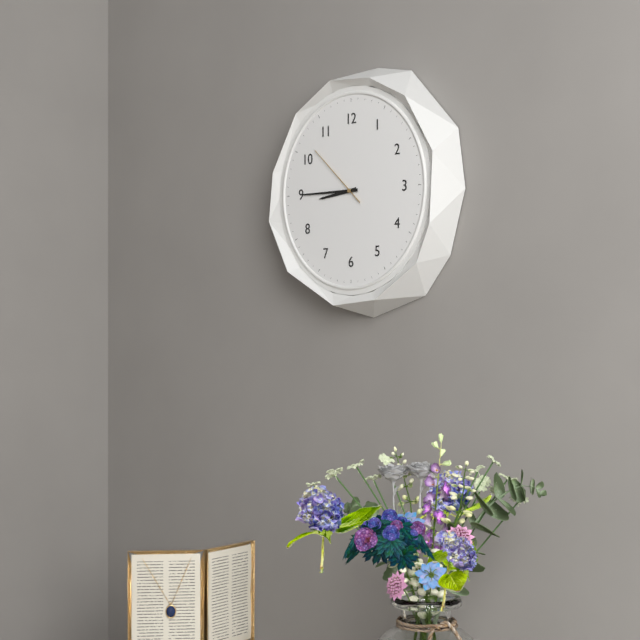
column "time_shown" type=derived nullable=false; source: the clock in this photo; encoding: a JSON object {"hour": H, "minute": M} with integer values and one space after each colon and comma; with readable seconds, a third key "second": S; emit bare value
{"hour": 8, "minute": 45, "second": 52}
